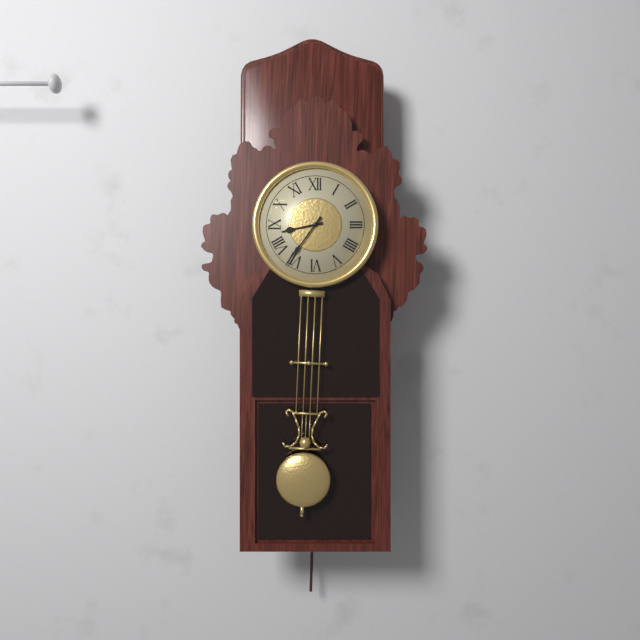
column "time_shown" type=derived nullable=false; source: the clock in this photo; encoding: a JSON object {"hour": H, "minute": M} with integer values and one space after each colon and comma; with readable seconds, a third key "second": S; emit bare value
{"hour": 8, "minute": 36}
